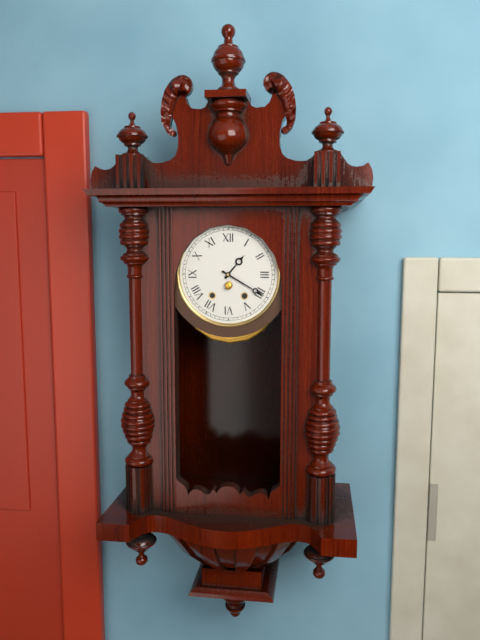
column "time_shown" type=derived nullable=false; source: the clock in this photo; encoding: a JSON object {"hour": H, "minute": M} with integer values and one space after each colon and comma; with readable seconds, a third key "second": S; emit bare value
{"hour": 1, "minute": 20}
